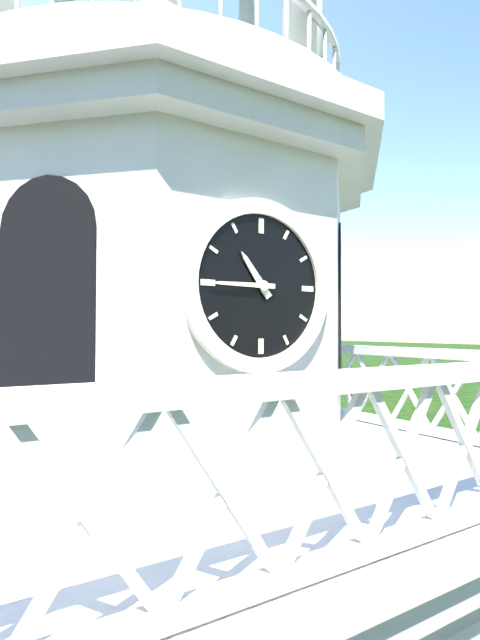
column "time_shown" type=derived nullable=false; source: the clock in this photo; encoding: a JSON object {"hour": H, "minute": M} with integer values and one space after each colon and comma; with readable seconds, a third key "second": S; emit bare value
{"hour": 10, "minute": 45}
